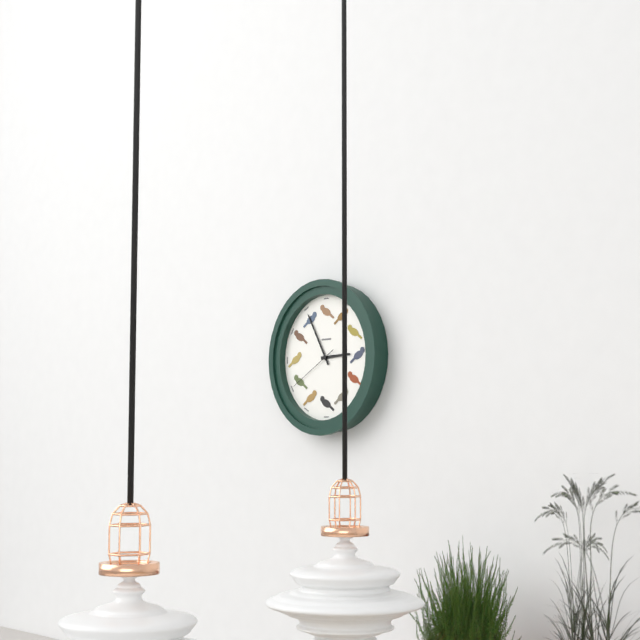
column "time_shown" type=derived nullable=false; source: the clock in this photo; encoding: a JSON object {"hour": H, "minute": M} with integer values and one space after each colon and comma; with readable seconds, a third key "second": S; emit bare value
{"hour": 2, "minute": 55, "second": 40}
